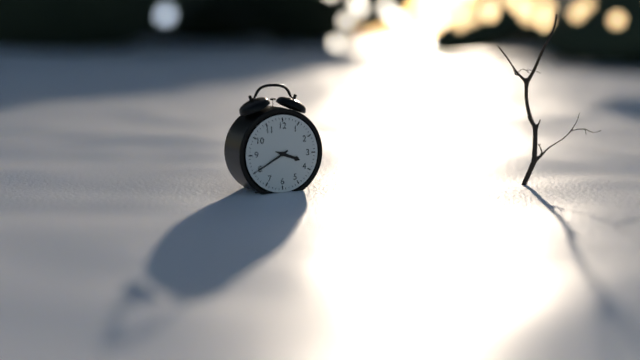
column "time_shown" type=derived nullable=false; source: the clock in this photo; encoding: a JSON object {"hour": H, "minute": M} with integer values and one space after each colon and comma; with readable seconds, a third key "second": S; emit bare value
{"hour": 3, "minute": 40}
